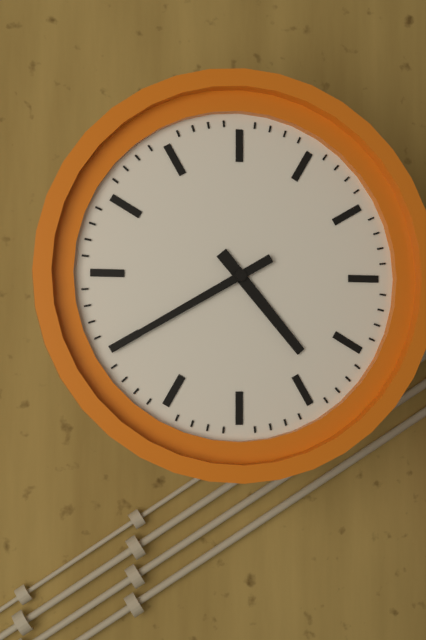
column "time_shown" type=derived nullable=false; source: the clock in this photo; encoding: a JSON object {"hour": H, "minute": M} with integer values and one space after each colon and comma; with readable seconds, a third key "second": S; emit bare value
{"hour": 4, "minute": 40}
